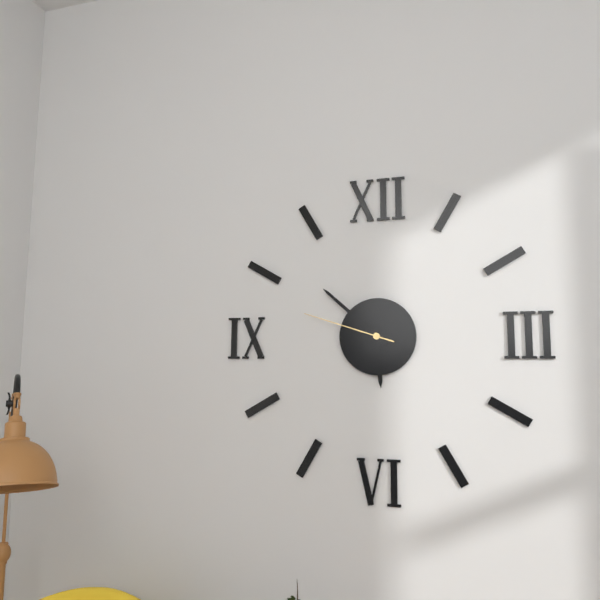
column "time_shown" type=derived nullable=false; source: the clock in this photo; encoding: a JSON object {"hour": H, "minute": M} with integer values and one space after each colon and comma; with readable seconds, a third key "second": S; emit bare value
{"hour": 5, "minute": 52, "second": 48}
